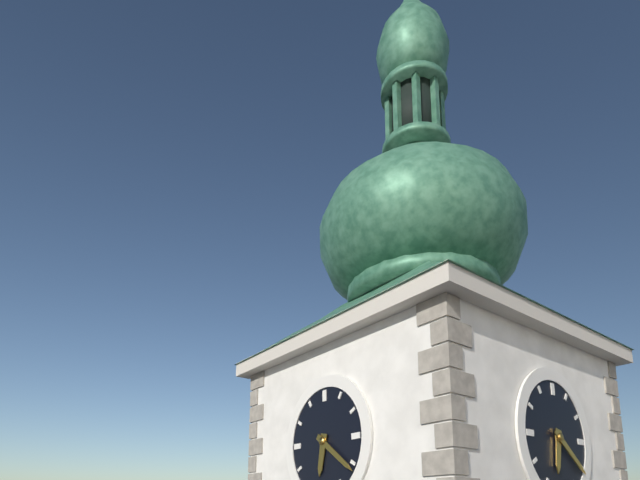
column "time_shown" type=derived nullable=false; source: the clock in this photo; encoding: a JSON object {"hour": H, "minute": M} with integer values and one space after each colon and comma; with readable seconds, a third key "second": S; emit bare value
{"hour": 6, "minute": 21}
